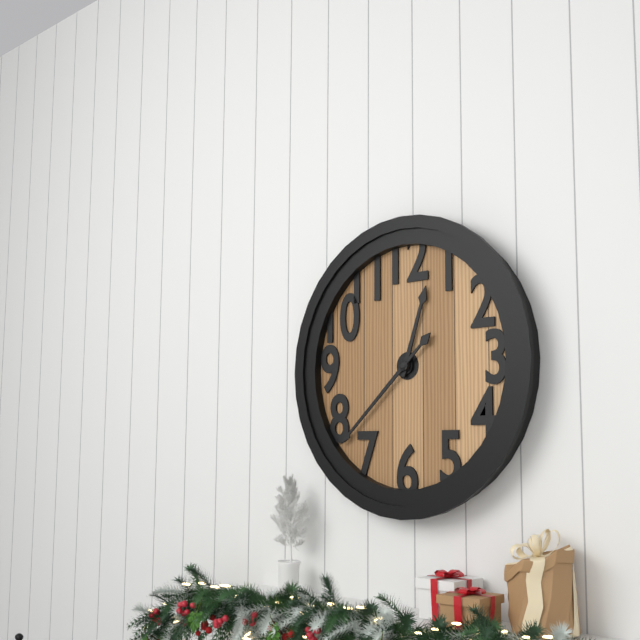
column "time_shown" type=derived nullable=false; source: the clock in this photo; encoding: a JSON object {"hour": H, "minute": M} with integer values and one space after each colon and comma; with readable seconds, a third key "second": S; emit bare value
{"hour": 12, "minute": 38}
